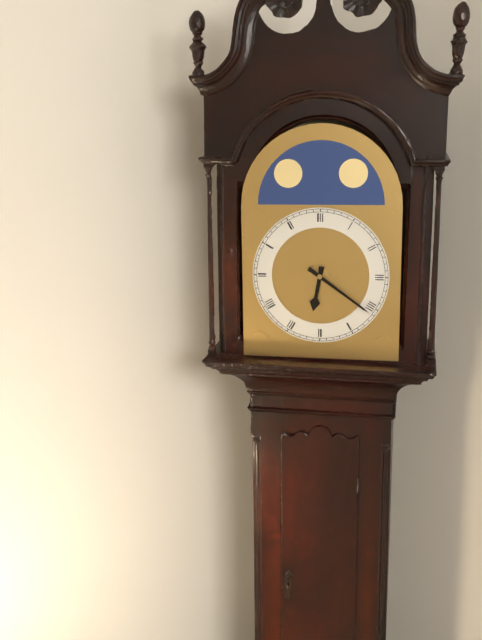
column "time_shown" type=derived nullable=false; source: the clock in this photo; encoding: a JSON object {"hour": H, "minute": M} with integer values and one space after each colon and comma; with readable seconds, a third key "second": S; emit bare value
{"hour": 6, "minute": 21}
